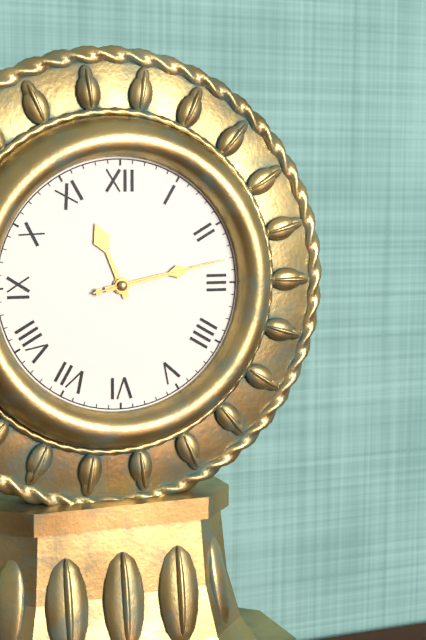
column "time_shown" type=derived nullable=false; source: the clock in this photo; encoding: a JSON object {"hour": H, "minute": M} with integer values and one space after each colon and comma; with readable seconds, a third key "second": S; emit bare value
{"hour": 11, "minute": 13, "second": 13}
